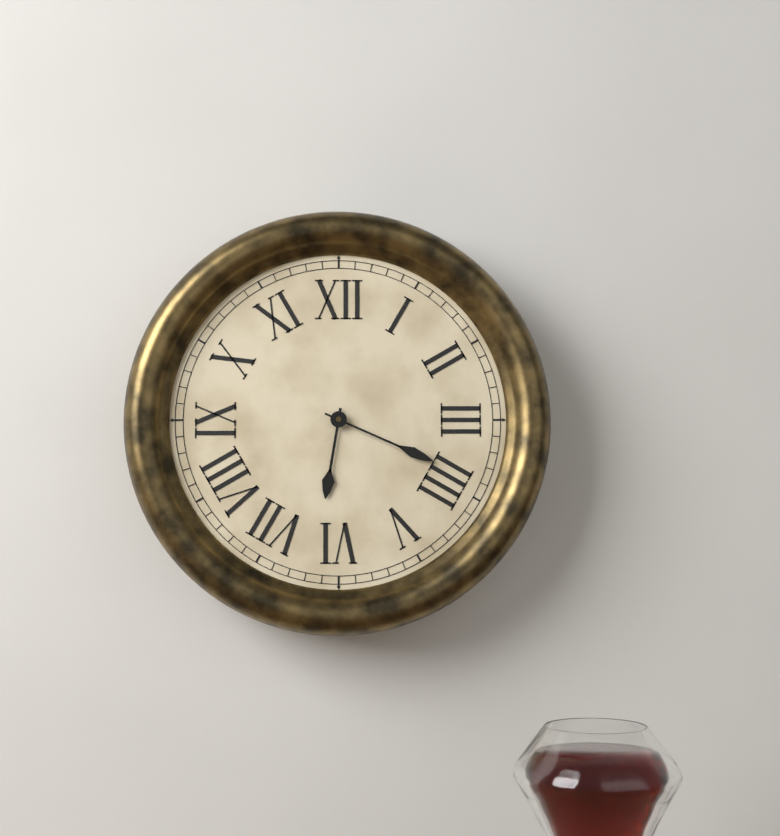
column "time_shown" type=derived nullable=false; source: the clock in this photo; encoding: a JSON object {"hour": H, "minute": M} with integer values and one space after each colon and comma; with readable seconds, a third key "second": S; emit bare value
{"hour": 6, "minute": 19}
